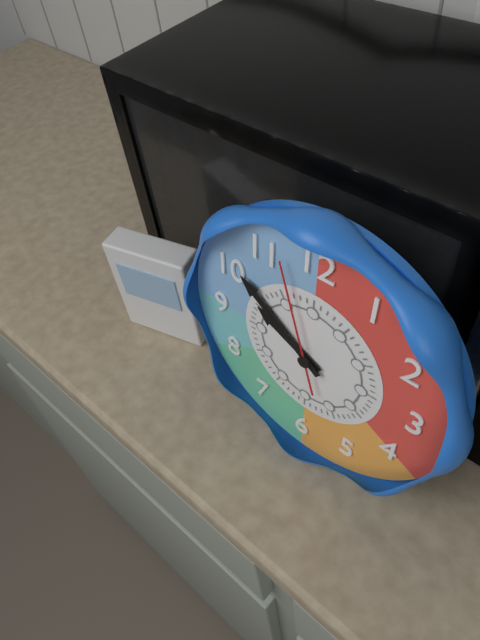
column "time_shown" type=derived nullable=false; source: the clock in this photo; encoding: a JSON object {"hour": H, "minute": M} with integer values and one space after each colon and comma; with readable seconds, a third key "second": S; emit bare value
{"hour": 9, "minute": 51, "second": 57}
